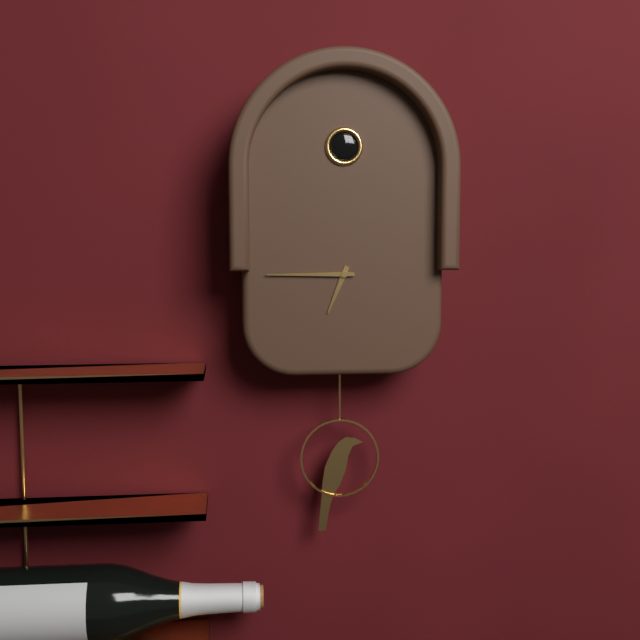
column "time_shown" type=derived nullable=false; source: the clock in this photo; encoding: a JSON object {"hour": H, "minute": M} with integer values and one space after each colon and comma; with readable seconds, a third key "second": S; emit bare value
{"hour": 6, "minute": 45}
